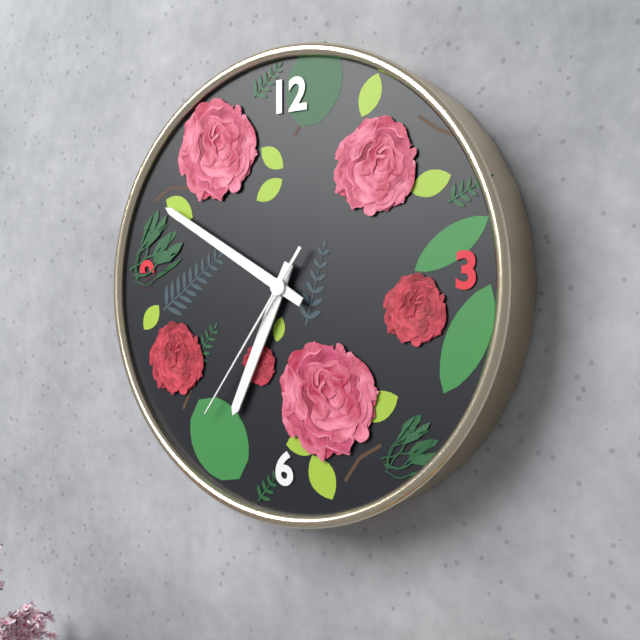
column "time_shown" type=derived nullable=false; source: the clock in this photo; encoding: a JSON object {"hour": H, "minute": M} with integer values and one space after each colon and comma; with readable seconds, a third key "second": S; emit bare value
{"hour": 6, "minute": 50, "second": 36}
